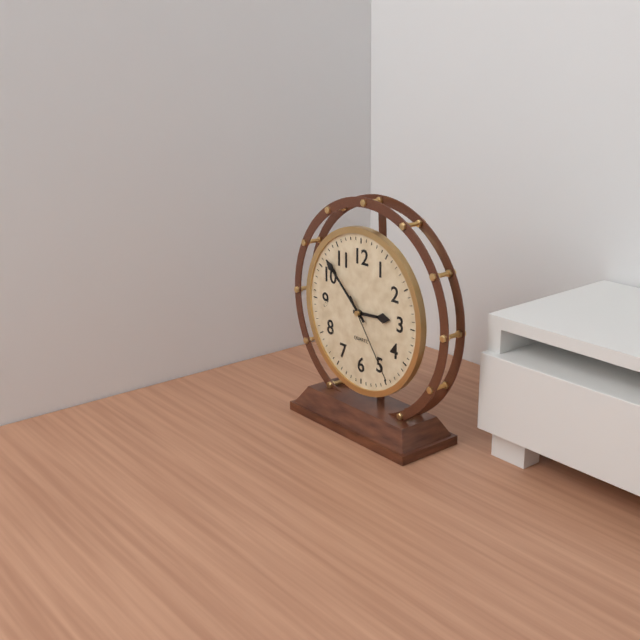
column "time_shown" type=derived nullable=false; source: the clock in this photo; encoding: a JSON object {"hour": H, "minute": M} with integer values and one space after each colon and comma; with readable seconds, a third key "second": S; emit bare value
{"hour": 2, "minute": 52, "second": 24}
